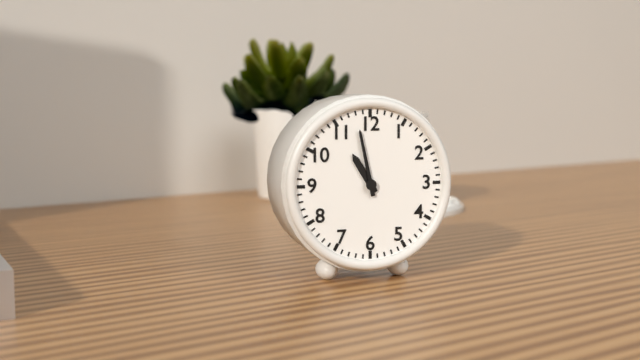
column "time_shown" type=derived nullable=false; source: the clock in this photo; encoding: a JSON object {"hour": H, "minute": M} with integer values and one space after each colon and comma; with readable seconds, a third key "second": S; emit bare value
{"hour": 10, "minute": 58}
